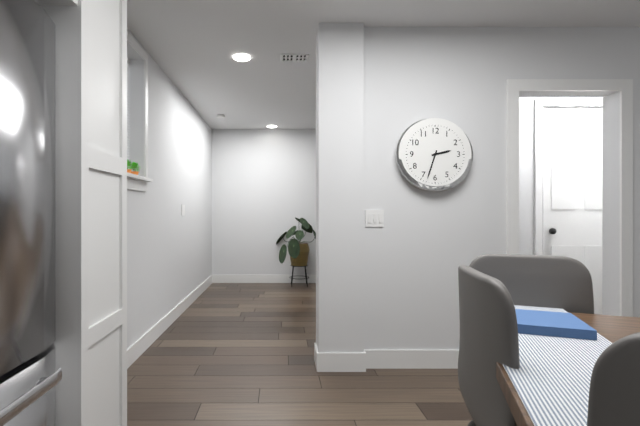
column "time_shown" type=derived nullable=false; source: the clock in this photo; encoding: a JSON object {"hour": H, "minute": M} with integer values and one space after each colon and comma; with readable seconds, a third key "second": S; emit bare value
{"hour": 2, "minute": 33}
